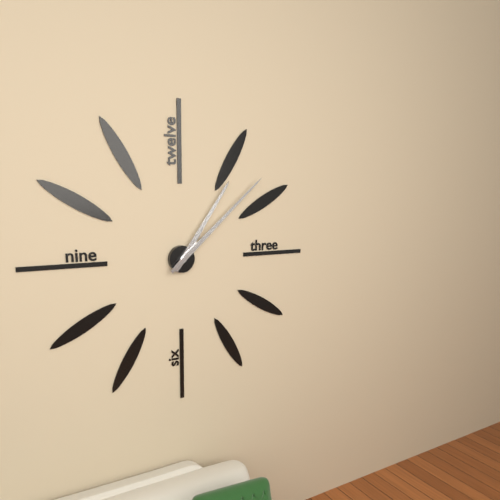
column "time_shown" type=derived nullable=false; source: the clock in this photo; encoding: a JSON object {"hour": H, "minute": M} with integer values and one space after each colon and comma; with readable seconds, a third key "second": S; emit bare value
{"hour": 1, "minute": 8}
